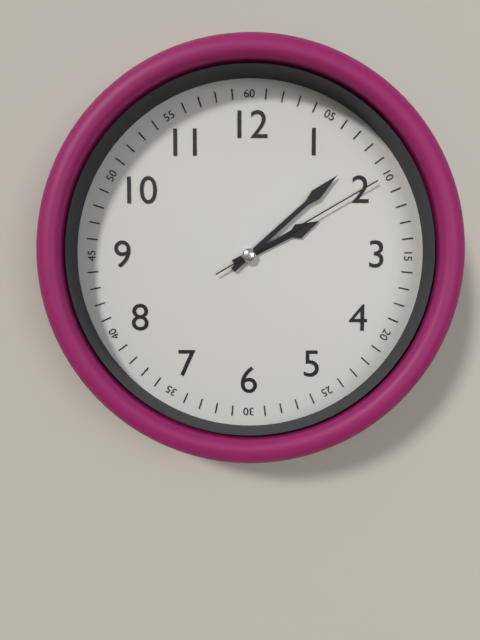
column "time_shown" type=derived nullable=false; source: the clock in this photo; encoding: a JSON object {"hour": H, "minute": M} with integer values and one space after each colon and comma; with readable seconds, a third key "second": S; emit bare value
{"hour": 2, "minute": 8, "second": 10}
